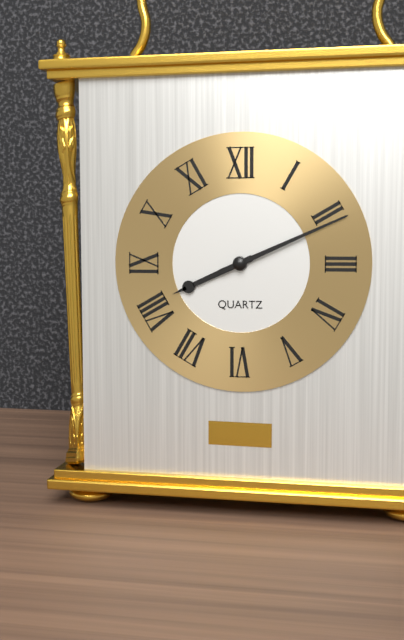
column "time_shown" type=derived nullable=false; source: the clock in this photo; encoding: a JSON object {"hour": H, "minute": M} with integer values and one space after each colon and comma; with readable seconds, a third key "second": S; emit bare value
{"hour": 8, "minute": 11}
